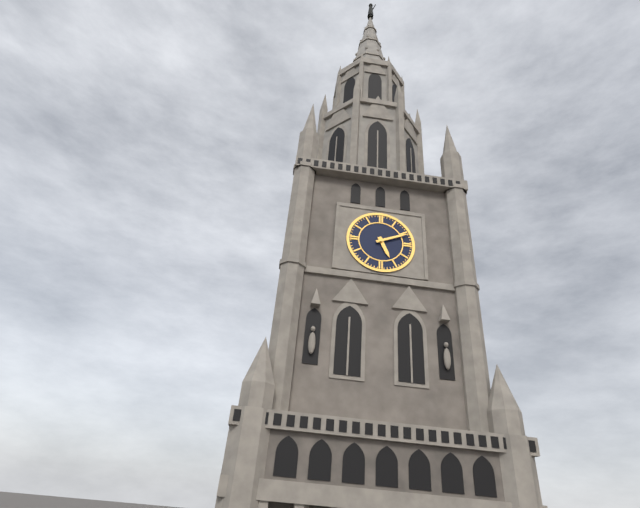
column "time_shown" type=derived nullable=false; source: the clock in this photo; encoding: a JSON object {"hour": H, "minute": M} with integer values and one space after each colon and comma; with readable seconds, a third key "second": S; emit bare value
{"hour": 5, "minute": 11}
